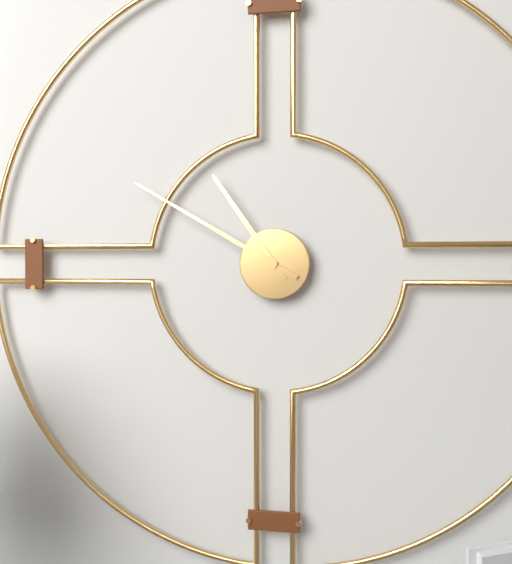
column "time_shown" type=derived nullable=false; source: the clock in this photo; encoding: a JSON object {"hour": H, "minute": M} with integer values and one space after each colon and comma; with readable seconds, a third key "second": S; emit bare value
{"hour": 10, "minute": 50}
